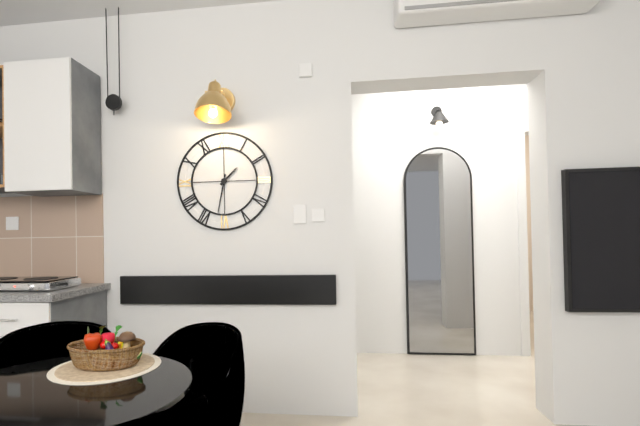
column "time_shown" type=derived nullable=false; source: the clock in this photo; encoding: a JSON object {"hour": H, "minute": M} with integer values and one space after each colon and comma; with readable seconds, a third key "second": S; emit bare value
{"hour": 1, "minute": 32}
